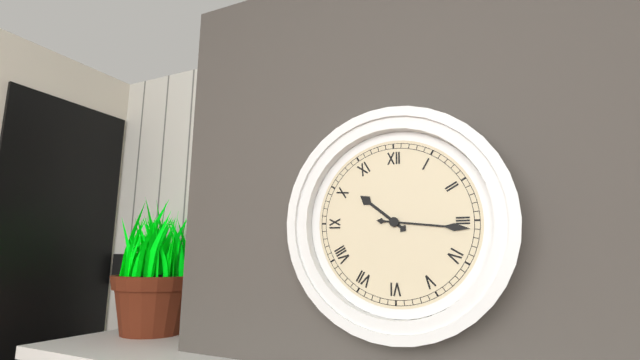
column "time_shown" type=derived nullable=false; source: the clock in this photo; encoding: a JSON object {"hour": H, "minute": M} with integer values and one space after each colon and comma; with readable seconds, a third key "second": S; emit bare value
{"hour": 10, "minute": 16}
